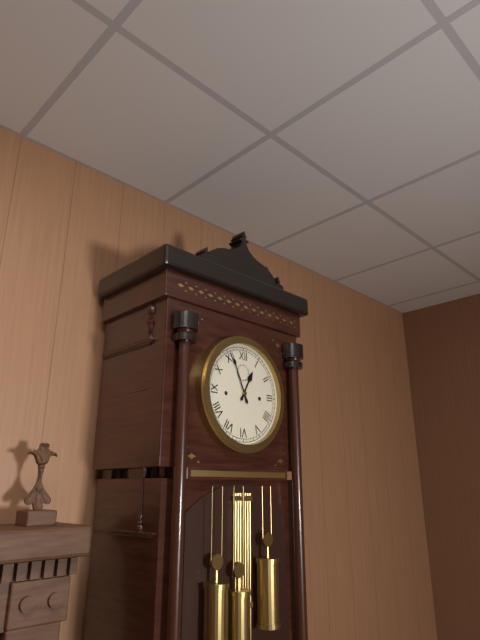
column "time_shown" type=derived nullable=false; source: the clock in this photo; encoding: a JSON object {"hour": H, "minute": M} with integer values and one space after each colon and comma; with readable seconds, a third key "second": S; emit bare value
{"hour": 12, "minute": 56}
